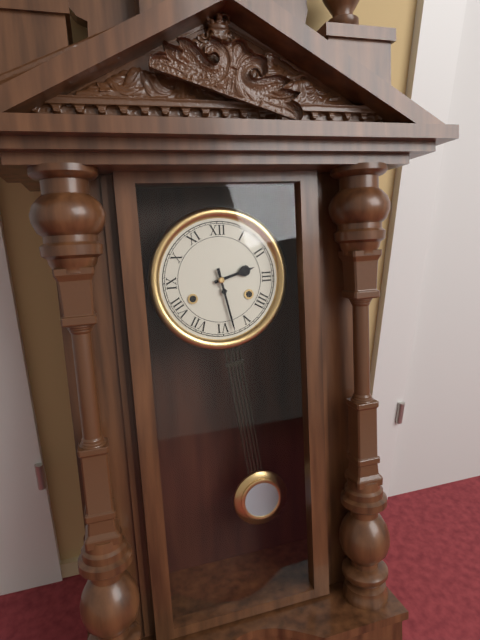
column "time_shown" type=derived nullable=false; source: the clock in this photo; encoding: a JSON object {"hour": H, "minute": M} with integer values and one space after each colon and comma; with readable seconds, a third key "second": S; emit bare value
{"hour": 2, "minute": 28}
